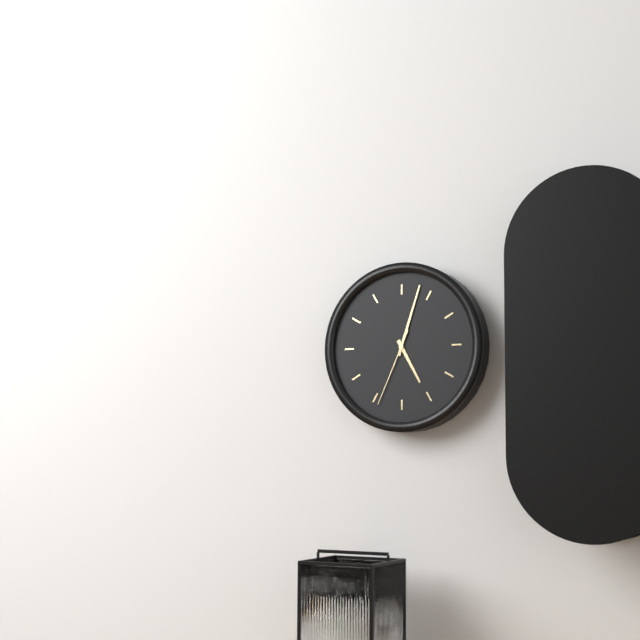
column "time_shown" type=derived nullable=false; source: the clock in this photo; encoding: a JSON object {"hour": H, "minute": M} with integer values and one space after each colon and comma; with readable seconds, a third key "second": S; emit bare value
{"hour": 5, "minute": 3, "second": 34}
